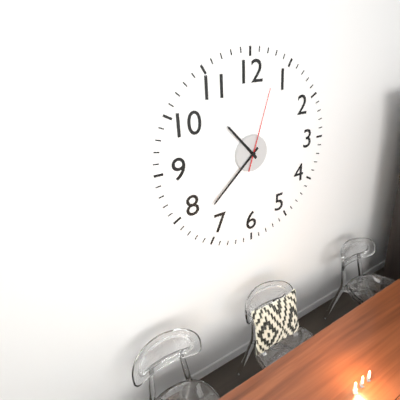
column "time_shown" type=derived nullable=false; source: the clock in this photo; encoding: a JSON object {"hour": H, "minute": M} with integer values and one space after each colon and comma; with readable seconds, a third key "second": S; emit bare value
{"hour": 10, "minute": 38, "second": 3}
